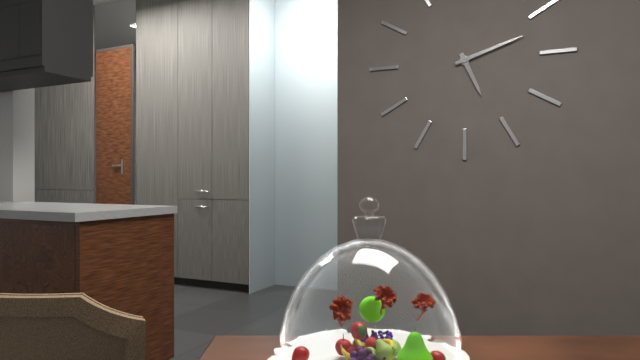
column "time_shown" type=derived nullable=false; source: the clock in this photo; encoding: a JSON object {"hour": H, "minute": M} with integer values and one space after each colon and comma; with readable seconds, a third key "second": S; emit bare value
{"hour": 5, "minute": 12}
